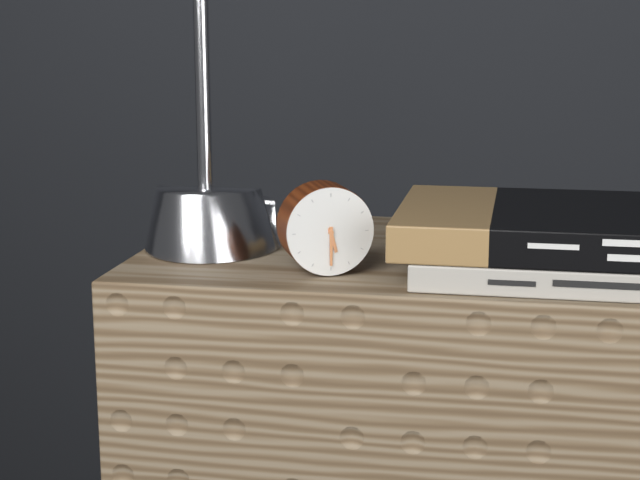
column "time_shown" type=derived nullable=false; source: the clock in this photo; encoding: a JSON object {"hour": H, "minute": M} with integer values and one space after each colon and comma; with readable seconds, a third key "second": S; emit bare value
{"hour": 5, "minute": 30}
